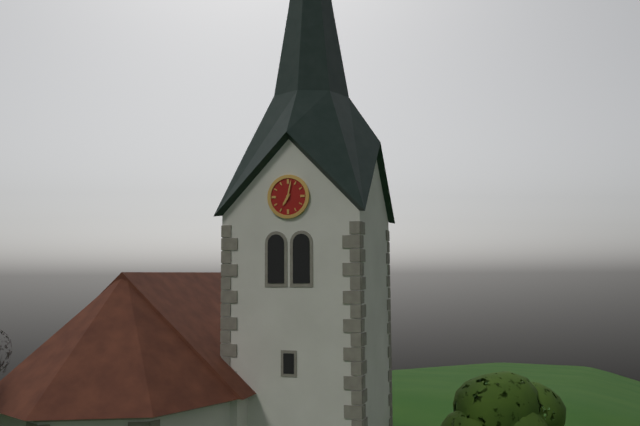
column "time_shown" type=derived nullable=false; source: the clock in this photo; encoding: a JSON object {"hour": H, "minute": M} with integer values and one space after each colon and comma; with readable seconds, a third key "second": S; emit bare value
{"hour": 7, "minute": 2}
